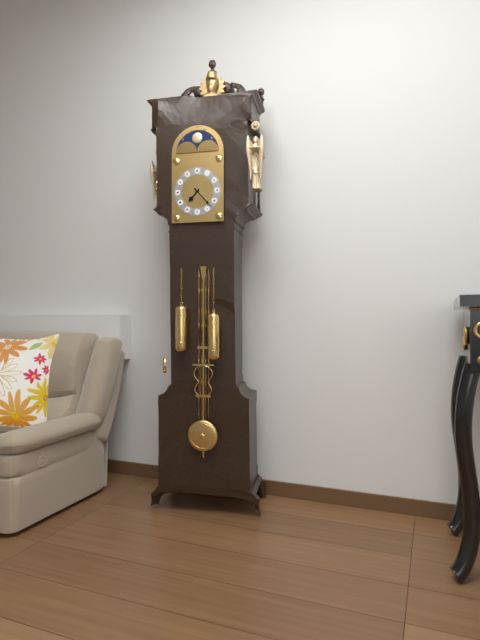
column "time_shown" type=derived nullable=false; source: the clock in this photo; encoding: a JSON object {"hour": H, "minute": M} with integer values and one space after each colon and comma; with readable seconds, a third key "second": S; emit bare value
{"hour": 7, "minute": 23}
